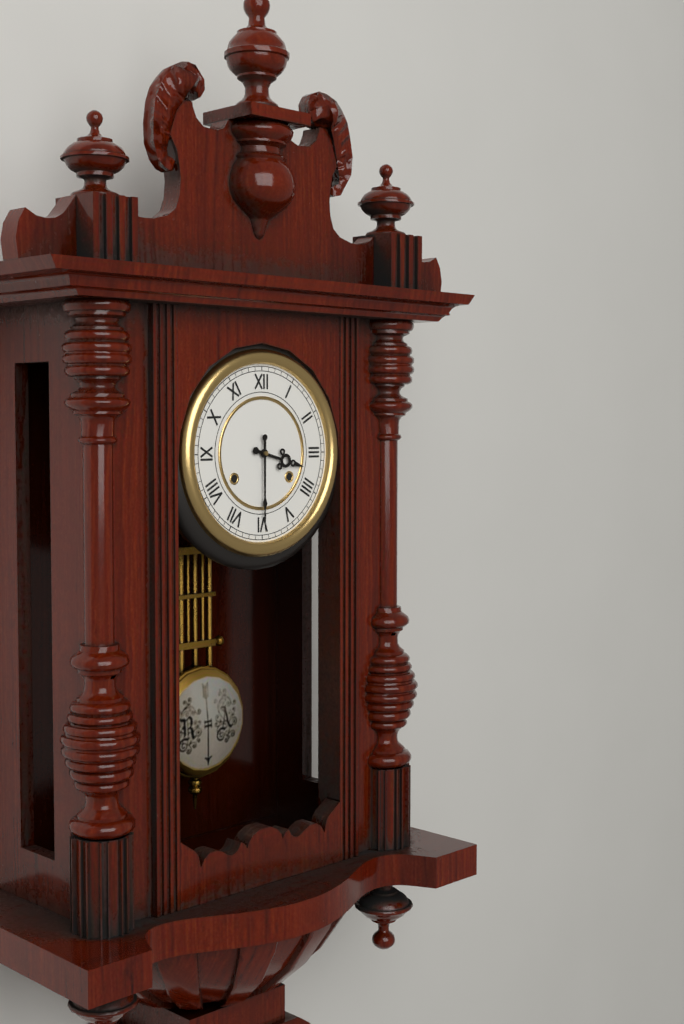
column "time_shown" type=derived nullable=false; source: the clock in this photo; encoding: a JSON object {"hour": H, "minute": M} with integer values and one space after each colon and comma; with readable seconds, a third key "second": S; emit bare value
{"hour": 3, "minute": 30}
